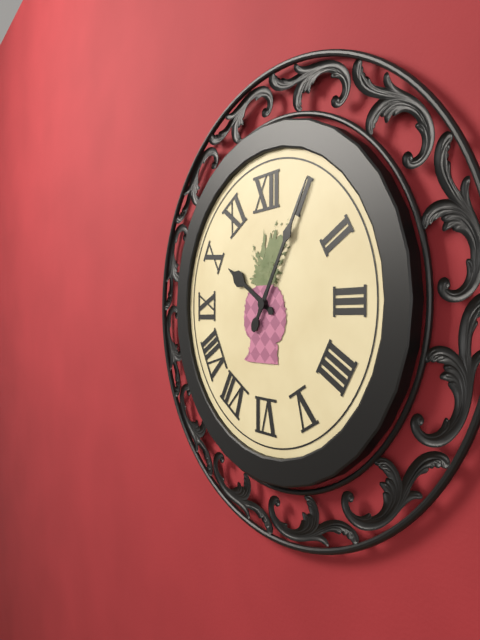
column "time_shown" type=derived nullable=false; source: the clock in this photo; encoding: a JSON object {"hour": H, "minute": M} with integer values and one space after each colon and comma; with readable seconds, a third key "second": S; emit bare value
{"hour": 10, "minute": 5}
